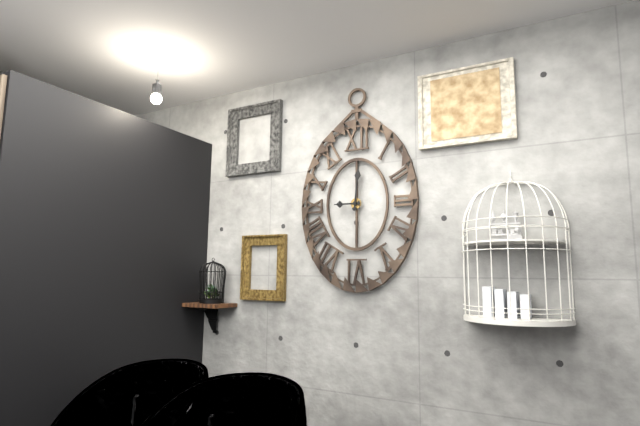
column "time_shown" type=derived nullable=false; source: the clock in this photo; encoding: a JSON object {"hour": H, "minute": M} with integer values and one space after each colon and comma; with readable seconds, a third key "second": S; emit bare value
{"hour": 9, "minute": 1}
